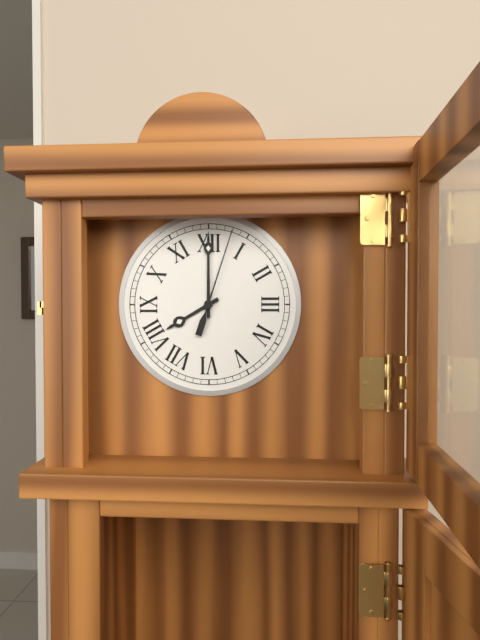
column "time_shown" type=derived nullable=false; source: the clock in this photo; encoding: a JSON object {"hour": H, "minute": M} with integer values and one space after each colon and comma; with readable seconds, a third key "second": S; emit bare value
{"hour": 8, "minute": 0, "second": 3}
